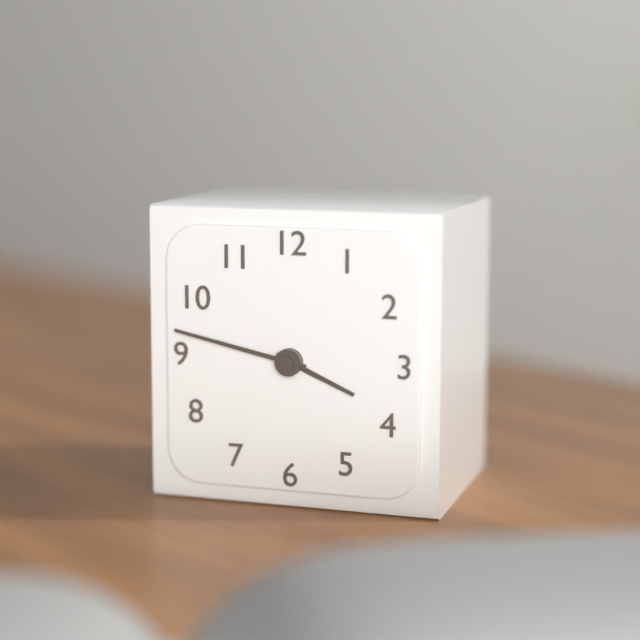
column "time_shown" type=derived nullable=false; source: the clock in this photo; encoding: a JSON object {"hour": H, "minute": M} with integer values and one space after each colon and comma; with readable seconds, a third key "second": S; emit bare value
{"hour": 3, "minute": 47}
